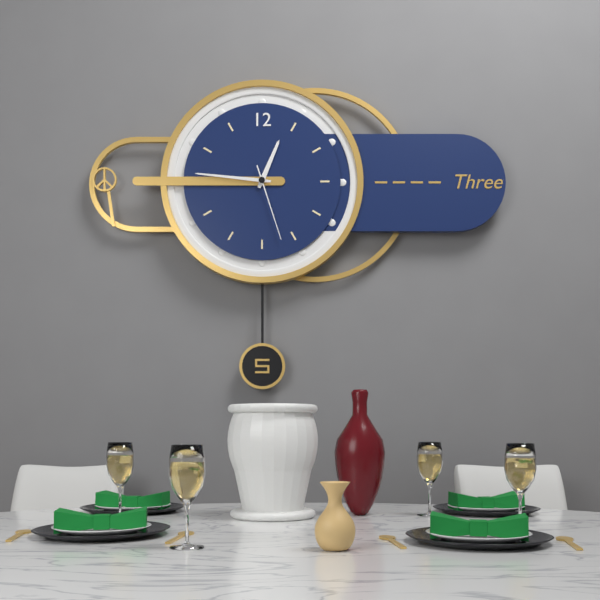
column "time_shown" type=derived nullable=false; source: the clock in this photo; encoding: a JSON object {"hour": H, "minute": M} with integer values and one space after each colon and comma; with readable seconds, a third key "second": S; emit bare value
{"hour": 12, "minute": 46, "second": 27}
